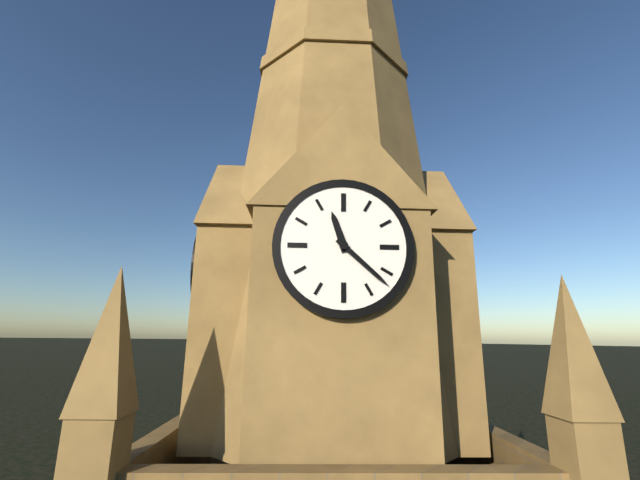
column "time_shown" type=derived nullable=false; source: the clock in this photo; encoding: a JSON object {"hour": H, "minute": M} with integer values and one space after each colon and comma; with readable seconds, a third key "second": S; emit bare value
{"hour": 11, "minute": 22}
